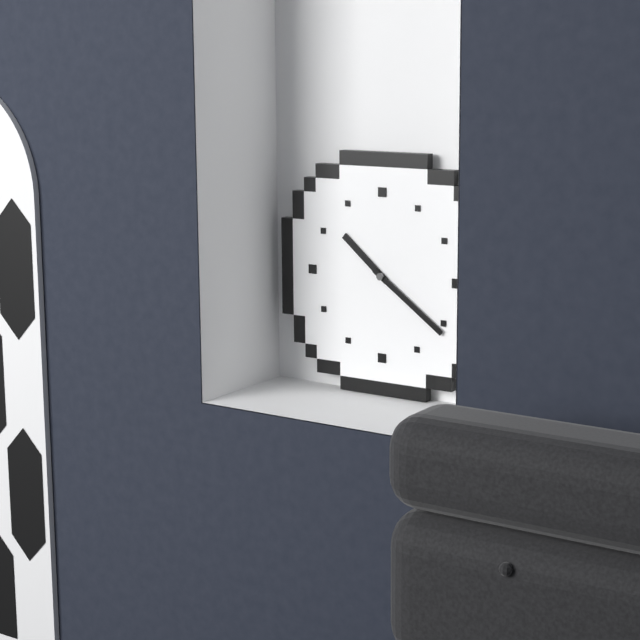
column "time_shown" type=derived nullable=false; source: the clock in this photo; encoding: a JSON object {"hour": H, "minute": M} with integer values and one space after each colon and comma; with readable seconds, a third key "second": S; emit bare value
{"hour": 10, "minute": 21}
